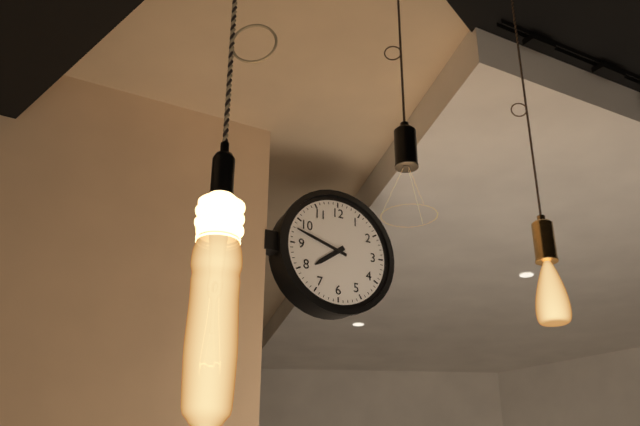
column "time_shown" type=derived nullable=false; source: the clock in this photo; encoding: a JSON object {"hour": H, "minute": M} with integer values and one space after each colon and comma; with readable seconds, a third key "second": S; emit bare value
{"hour": 7, "minute": 48}
